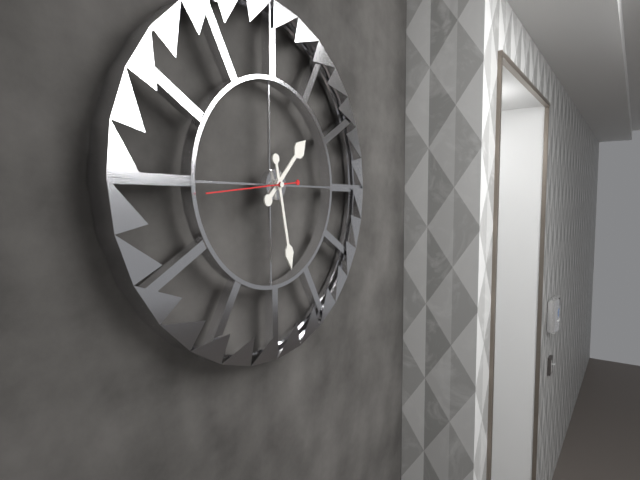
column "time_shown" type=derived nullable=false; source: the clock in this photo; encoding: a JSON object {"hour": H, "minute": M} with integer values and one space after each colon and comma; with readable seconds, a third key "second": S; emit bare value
{"hour": 1, "minute": 28, "second": 44}
